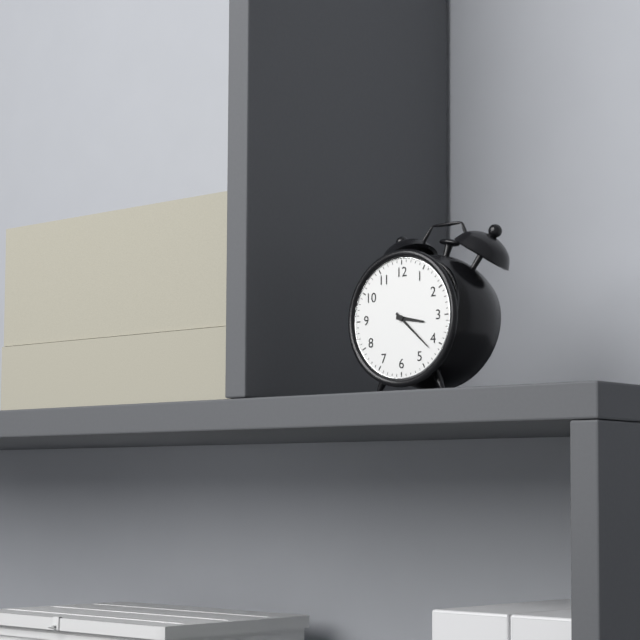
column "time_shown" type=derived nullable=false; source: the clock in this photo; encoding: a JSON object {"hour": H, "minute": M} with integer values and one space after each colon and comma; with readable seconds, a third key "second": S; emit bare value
{"hour": 3, "minute": 22}
